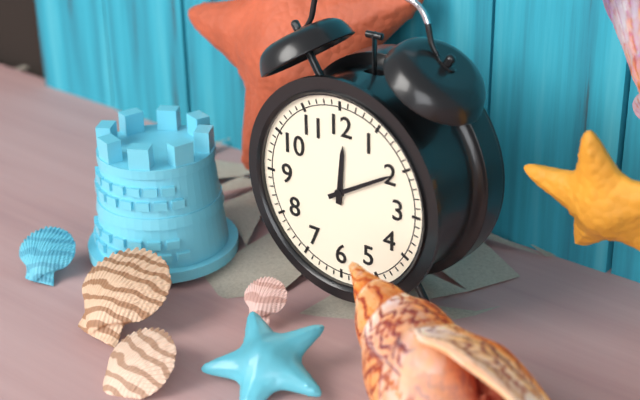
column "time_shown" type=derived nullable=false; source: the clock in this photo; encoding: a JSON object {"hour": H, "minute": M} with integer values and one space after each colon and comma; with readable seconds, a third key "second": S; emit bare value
{"hour": 12, "minute": 10}
